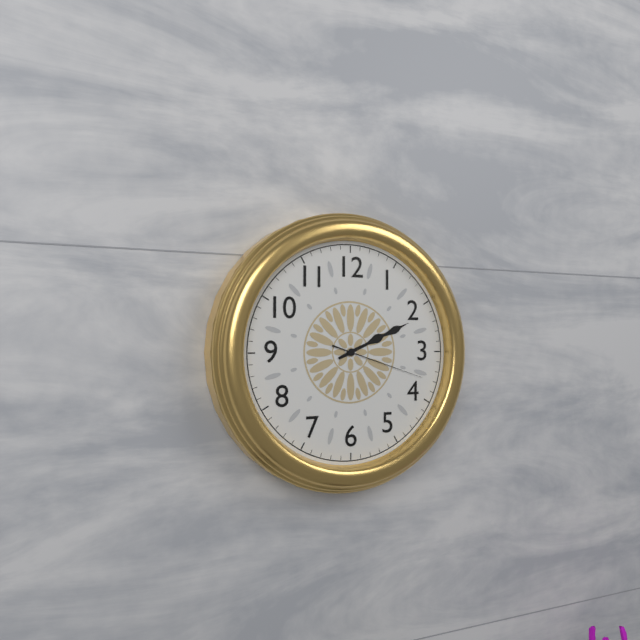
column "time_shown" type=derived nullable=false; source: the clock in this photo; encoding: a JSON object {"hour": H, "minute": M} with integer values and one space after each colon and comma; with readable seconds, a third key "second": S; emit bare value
{"hour": 2, "minute": 11, "second": 18}
